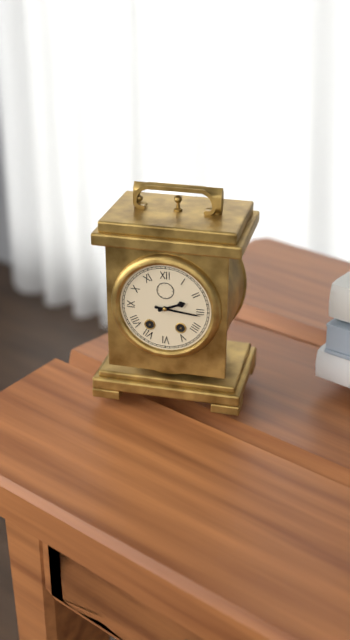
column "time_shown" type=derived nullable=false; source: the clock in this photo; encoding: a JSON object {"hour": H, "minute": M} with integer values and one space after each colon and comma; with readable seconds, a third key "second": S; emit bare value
{"hour": 2, "minute": 16}
